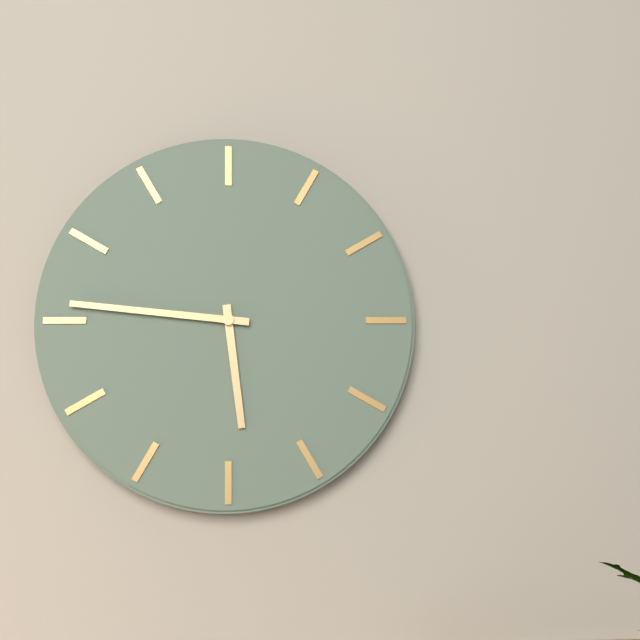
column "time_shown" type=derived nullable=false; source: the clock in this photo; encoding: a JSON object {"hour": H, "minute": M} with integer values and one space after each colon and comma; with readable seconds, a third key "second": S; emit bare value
{"hour": 5, "minute": 46}
